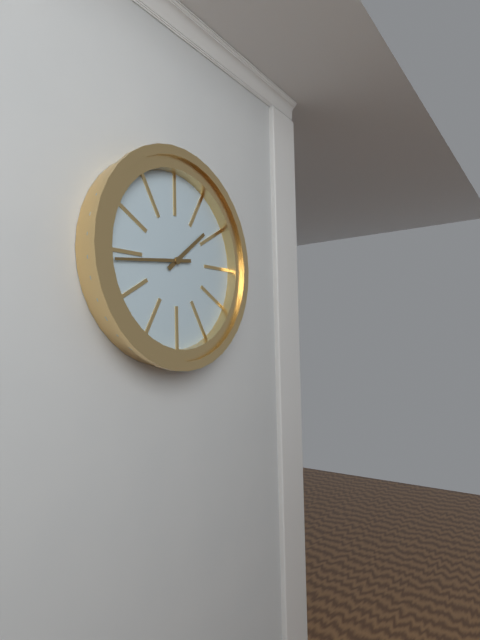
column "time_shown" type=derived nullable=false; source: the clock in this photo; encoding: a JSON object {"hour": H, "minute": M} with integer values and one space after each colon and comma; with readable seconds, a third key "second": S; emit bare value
{"hour": 1, "minute": 44}
